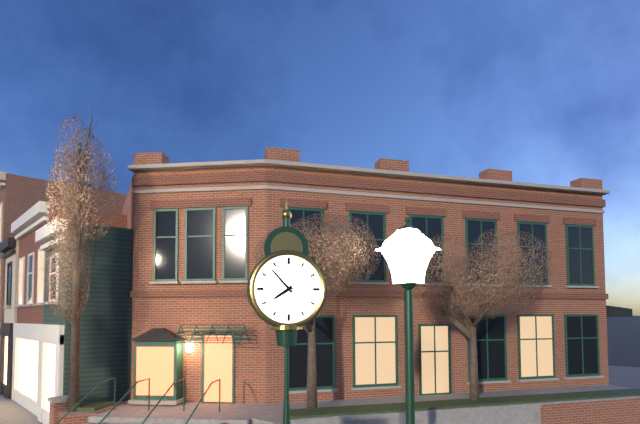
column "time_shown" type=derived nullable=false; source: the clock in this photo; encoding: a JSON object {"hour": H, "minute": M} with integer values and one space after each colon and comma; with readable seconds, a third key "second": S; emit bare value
{"hour": 7, "minute": 53}
